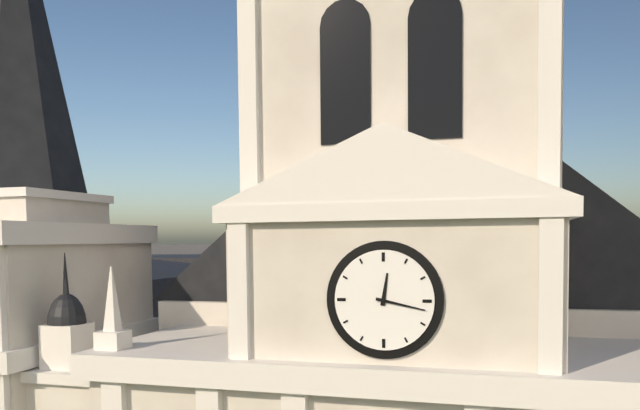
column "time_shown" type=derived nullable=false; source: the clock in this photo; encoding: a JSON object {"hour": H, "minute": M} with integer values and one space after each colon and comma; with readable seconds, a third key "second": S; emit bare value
{"hour": 12, "minute": 17}
